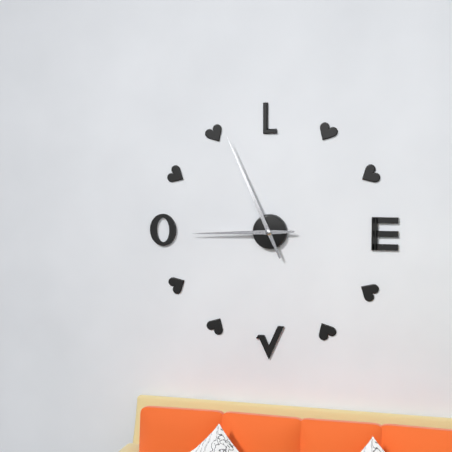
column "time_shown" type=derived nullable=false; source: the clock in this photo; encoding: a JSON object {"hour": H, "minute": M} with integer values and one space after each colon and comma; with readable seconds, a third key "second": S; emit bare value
{"hour": 8, "minute": 56}
